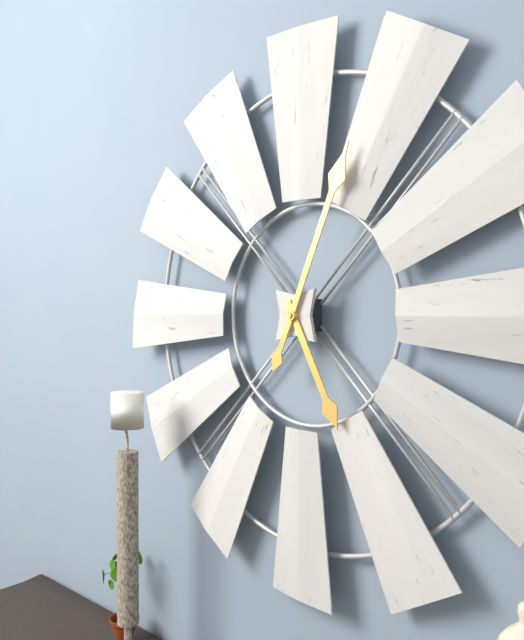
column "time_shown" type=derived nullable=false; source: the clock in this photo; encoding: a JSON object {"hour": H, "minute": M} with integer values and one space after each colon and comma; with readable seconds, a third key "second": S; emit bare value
{"hour": 5, "minute": 4}
